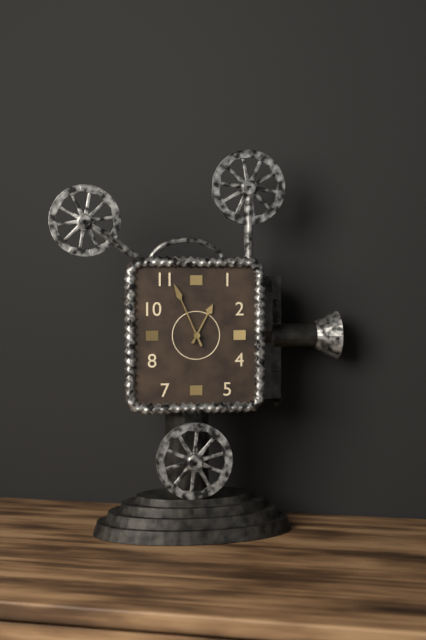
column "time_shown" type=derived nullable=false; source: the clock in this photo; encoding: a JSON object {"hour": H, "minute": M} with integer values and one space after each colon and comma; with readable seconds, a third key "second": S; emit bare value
{"hour": 12, "minute": 56}
